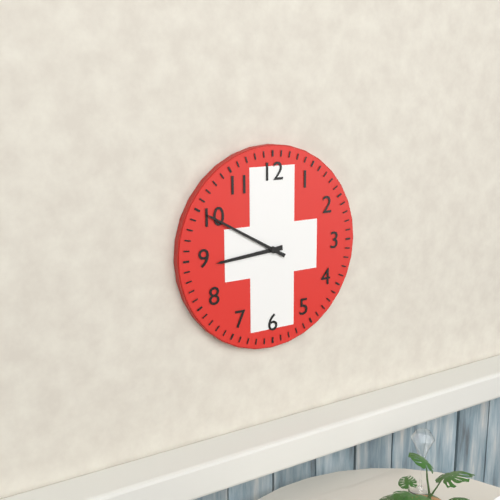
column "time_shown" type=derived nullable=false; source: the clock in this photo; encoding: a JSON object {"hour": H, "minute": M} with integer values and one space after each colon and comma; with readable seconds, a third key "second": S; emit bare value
{"hour": 8, "minute": 50}
